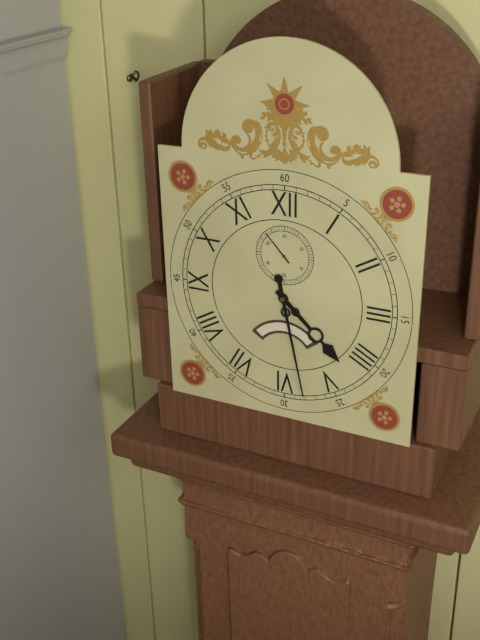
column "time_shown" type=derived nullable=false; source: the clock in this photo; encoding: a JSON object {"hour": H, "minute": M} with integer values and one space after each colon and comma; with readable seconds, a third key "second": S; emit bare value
{"hour": 4, "minute": 28}
